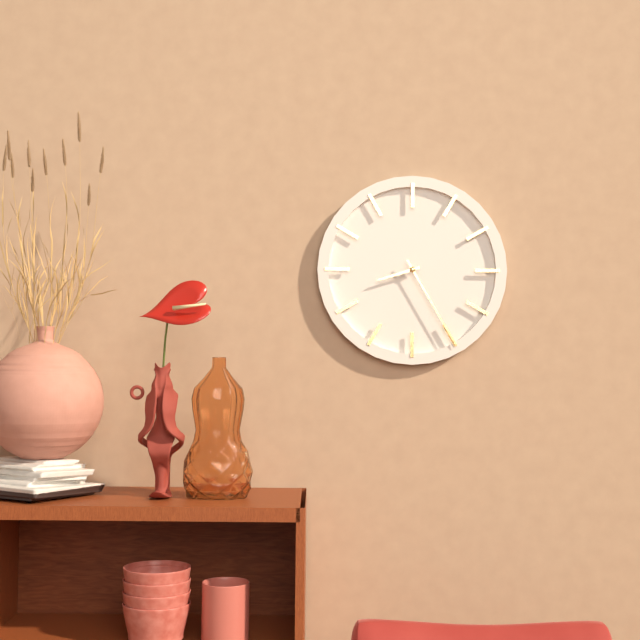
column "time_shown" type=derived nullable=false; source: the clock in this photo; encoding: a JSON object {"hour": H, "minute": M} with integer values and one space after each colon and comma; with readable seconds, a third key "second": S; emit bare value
{"hour": 8, "minute": 25}
